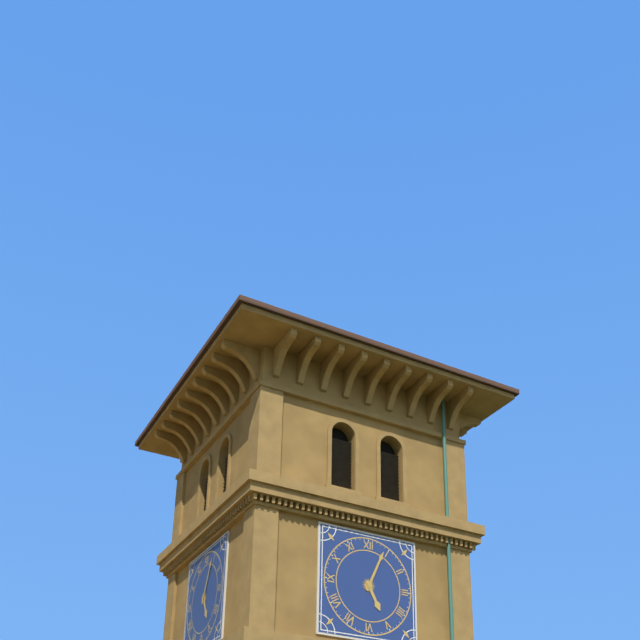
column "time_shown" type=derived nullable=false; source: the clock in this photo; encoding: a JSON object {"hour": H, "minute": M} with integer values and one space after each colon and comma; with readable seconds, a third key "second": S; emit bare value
{"hour": 5, "minute": 4}
